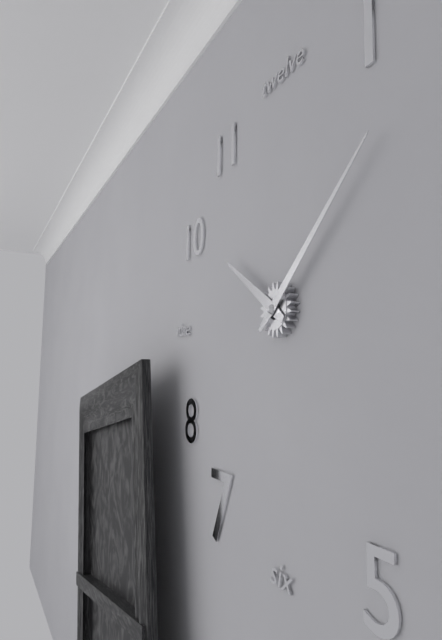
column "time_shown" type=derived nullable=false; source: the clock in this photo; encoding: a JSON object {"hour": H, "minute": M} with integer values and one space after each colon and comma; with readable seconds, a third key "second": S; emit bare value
{"hour": 10, "minute": 8}
